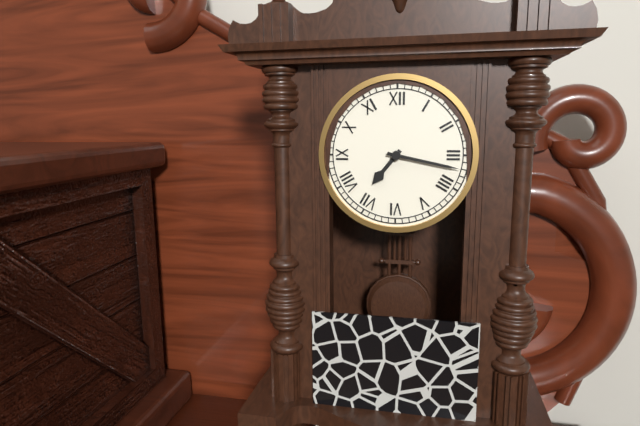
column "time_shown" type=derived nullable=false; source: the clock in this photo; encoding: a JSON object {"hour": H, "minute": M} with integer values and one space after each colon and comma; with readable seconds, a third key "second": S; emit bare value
{"hour": 7, "minute": 17}
